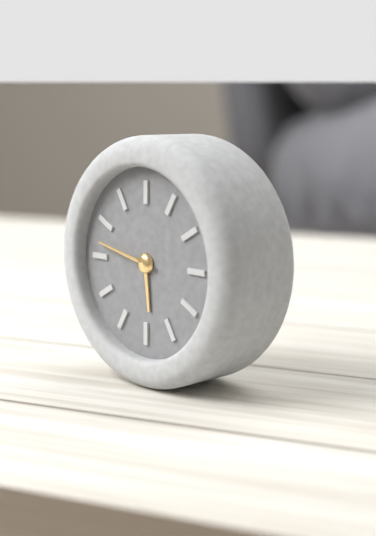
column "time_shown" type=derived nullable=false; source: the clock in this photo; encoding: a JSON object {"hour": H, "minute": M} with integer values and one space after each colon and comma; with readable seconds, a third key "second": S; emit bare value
{"hour": 5, "minute": 47}
